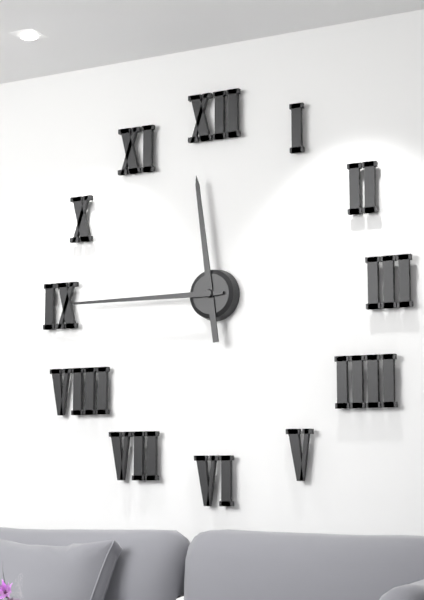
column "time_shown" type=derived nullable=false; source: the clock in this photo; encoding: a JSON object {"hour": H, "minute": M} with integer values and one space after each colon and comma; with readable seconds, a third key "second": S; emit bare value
{"hour": 11, "minute": 45}
